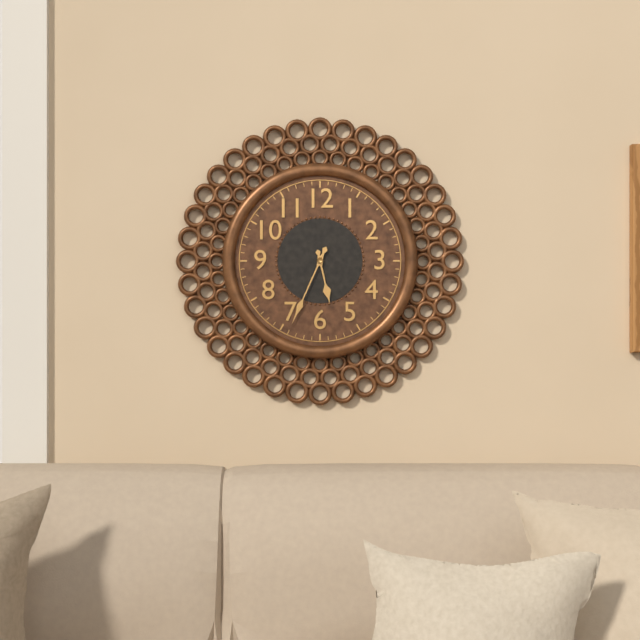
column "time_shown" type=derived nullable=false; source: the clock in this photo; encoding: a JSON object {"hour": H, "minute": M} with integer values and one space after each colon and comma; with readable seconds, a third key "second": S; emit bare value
{"hour": 5, "minute": 34}
